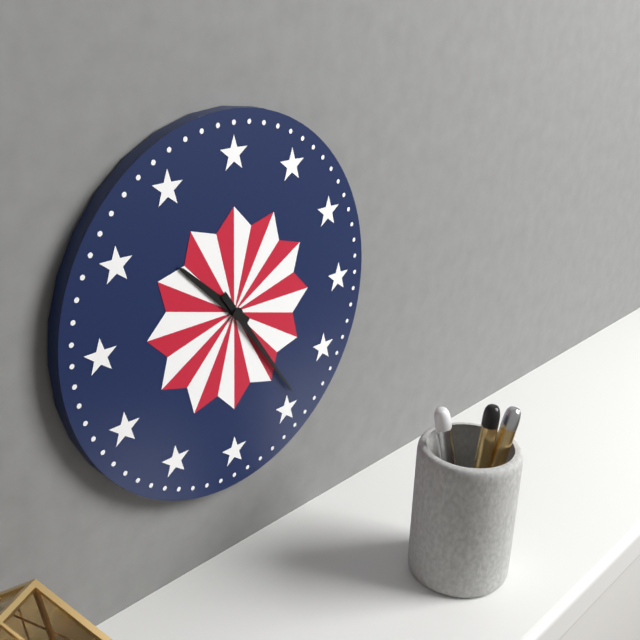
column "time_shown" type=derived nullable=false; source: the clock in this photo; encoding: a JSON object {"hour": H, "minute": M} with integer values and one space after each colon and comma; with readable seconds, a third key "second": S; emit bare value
{"hour": 10, "minute": 24}
